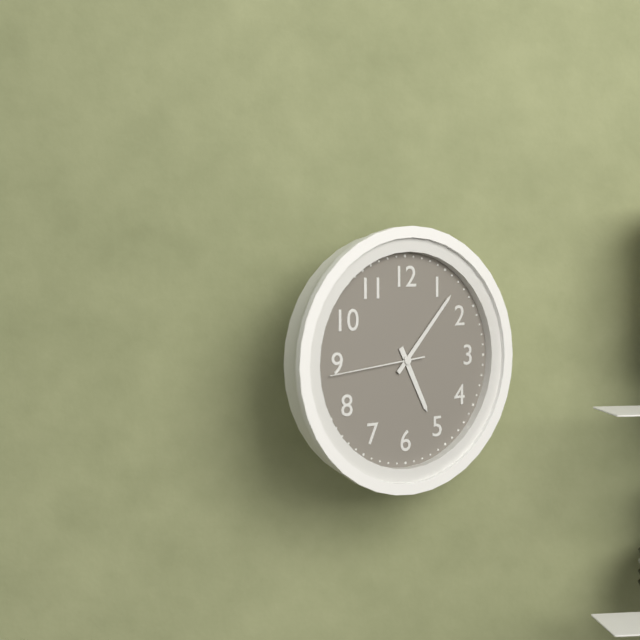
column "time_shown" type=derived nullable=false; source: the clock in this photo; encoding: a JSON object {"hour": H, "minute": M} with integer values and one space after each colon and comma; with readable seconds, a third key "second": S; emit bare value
{"hour": 5, "minute": 7, "second": 44}
